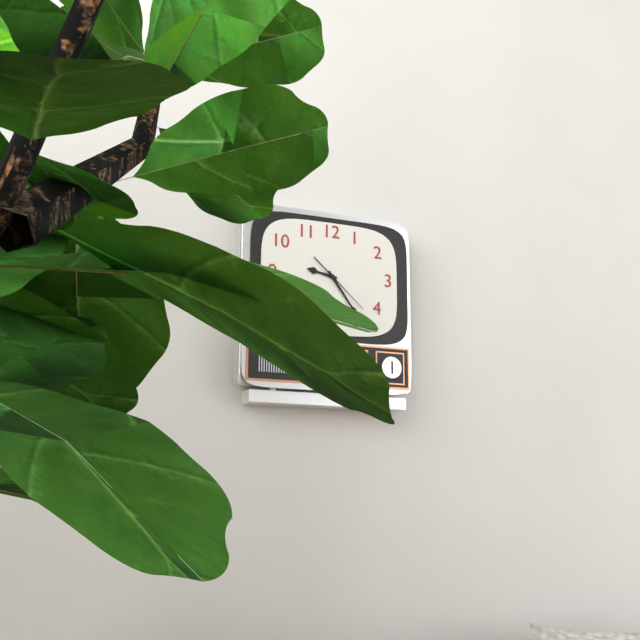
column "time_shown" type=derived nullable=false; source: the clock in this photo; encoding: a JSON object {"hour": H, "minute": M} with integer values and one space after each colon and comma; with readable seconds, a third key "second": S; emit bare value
{"hour": 9, "minute": 24, "second": 22}
